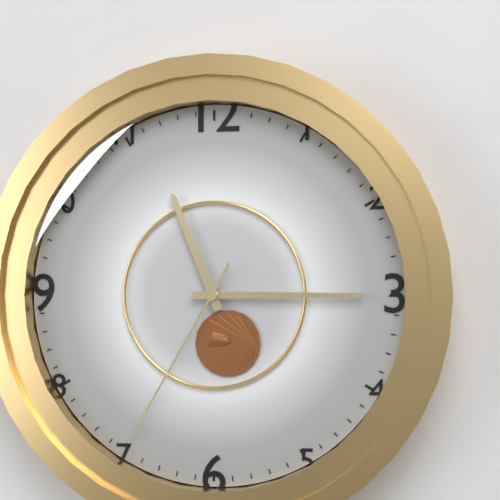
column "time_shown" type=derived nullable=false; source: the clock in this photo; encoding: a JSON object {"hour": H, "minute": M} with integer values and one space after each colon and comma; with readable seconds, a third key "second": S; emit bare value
{"hour": 11, "minute": 15, "second": 35}
